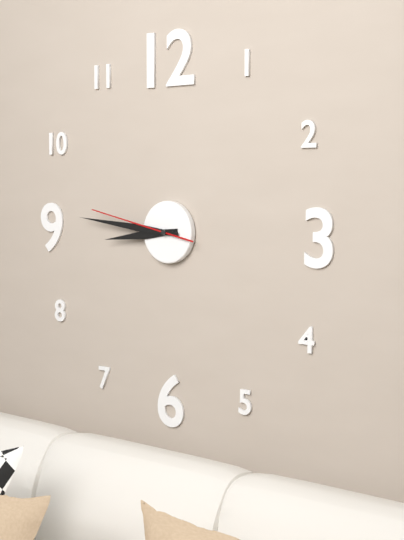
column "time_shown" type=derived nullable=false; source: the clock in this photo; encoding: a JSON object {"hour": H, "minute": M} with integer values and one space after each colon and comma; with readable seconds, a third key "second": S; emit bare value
{"hour": 8, "minute": 46, "second": 47}
